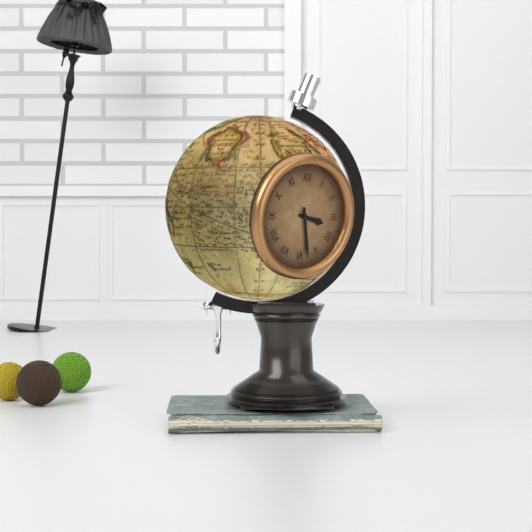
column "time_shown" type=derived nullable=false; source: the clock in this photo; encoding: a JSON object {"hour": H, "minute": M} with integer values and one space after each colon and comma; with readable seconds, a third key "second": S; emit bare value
{"hour": 3, "minute": 28}
